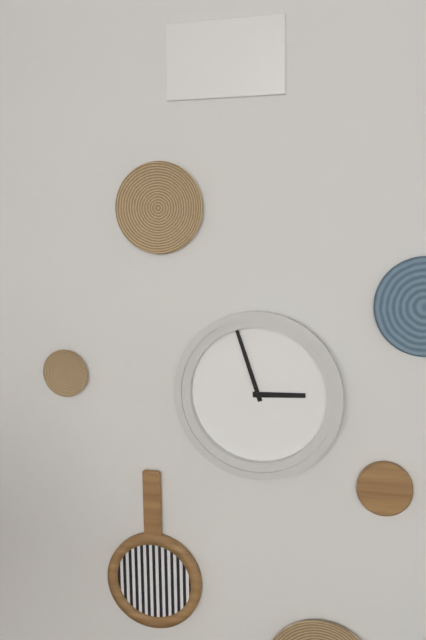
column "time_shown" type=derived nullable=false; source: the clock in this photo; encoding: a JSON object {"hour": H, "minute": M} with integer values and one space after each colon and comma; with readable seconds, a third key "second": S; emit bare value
{"hour": 2, "minute": 57}
